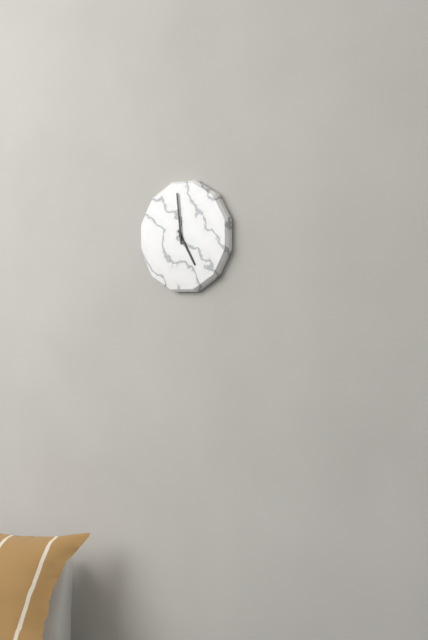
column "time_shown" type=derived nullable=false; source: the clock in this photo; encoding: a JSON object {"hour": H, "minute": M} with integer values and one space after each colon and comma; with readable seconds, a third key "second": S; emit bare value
{"hour": 4, "minute": 59}
